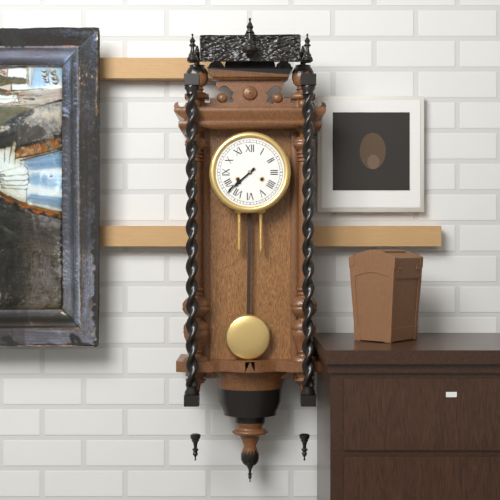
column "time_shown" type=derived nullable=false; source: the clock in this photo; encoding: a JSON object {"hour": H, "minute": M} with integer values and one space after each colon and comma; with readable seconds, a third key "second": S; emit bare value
{"hour": 7, "minute": 38}
